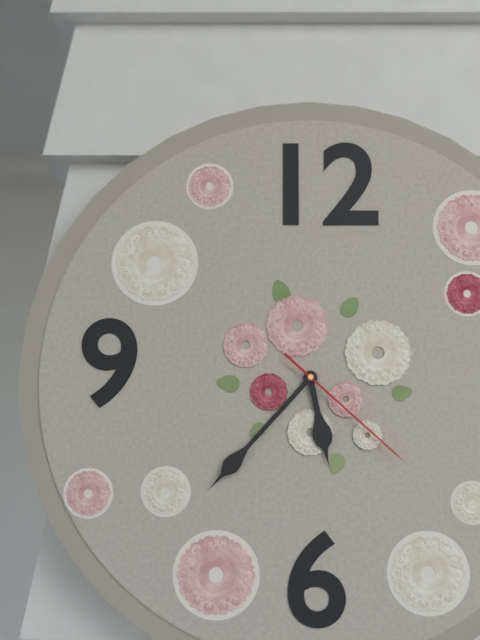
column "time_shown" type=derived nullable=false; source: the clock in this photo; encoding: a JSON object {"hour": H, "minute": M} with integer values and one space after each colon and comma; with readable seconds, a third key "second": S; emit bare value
{"hour": 5, "minute": 37, "second": 22}
